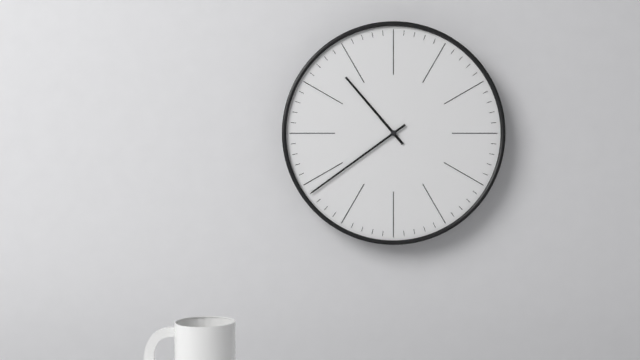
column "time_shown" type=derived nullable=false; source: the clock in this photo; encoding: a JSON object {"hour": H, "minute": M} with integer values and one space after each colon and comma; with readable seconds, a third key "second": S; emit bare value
{"hour": 10, "minute": 39}
